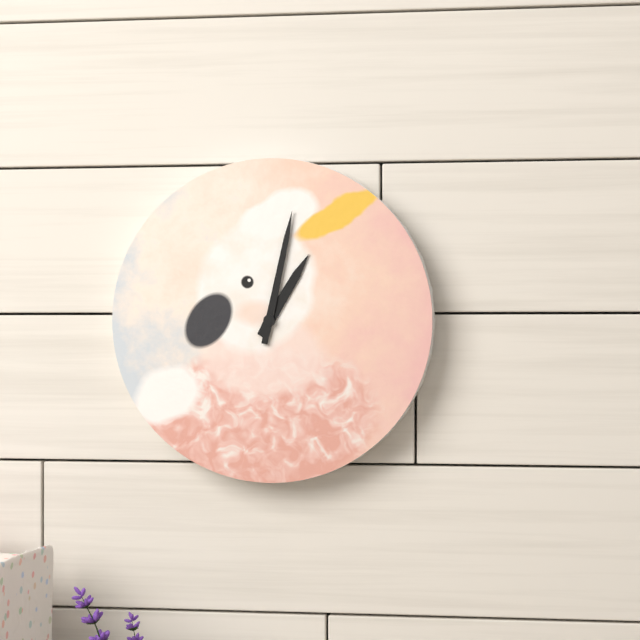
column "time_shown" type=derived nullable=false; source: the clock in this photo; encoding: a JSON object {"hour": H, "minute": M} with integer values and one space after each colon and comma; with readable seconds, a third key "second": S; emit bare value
{"hour": 1, "minute": 2}
